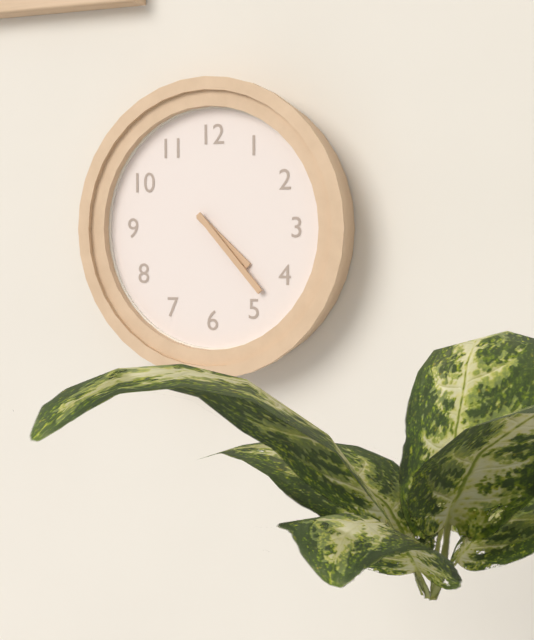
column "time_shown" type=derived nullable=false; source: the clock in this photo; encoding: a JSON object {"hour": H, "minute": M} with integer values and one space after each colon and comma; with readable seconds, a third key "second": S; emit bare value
{"hour": 4, "minute": 23}
